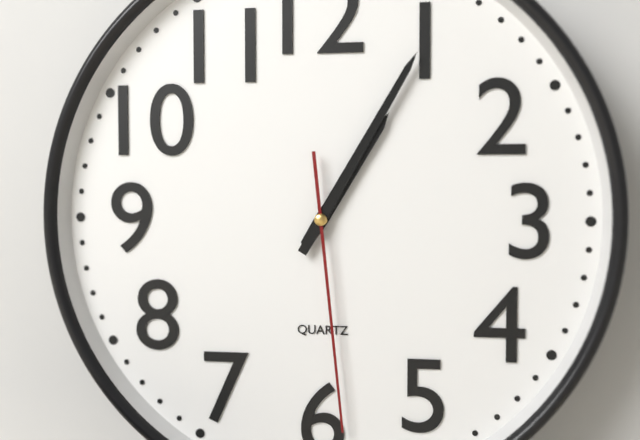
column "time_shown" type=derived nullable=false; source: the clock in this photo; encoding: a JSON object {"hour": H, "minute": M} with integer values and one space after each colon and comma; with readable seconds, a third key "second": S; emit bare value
{"hour": 1, "minute": 5, "second": 29}
